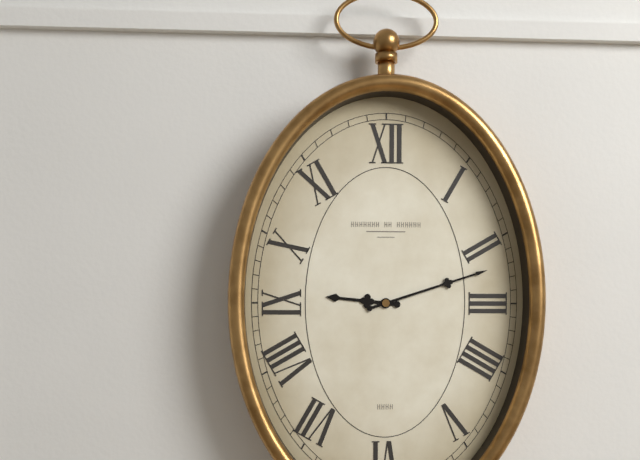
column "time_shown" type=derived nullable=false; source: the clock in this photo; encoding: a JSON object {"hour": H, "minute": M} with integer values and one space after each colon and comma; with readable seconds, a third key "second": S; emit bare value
{"hour": 9, "minute": 12}
